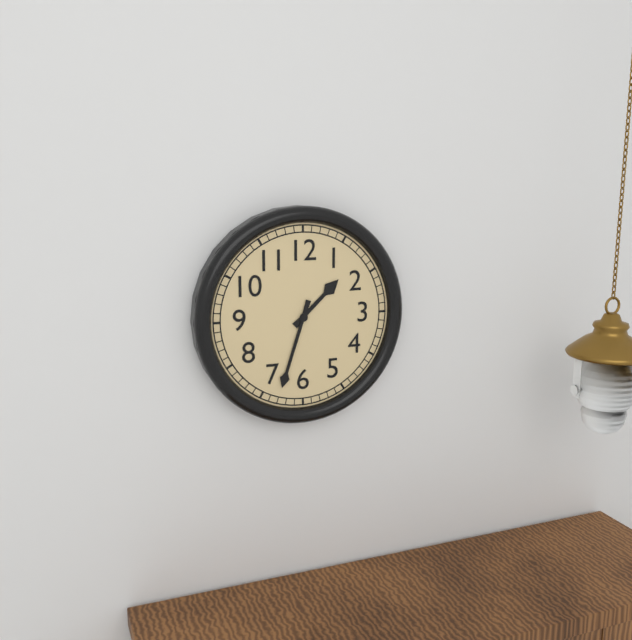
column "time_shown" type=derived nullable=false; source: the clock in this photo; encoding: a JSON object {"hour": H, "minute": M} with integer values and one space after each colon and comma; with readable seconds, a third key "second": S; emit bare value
{"hour": 1, "minute": 33}
